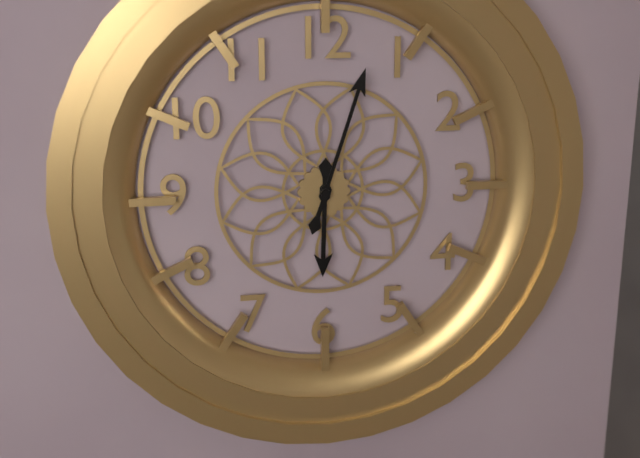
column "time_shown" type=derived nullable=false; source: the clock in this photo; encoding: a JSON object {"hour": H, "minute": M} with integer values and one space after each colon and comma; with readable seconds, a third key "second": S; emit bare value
{"hour": 6, "minute": 3}
